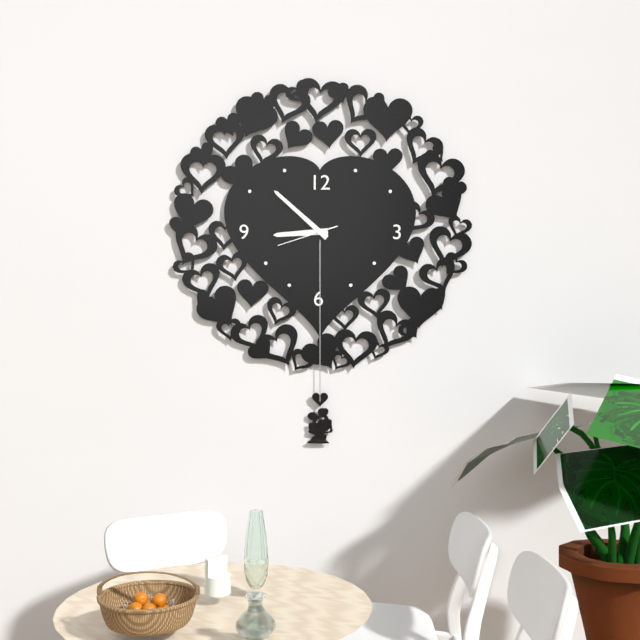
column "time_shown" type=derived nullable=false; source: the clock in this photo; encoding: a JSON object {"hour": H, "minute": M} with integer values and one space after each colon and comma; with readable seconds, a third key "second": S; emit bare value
{"hour": 8, "minute": 52, "second": 42}
